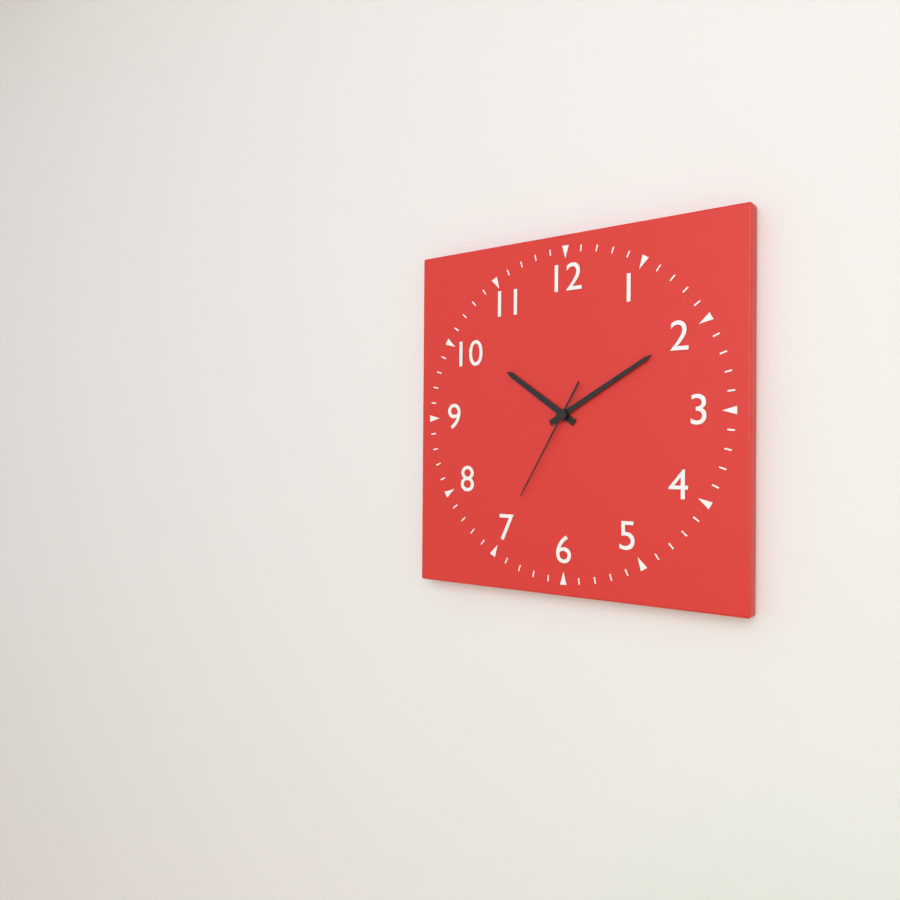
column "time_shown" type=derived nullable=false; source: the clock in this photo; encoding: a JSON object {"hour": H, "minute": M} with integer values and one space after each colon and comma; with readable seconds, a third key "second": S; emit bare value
{"hour": 10, "minute": 10, "second": 35}
